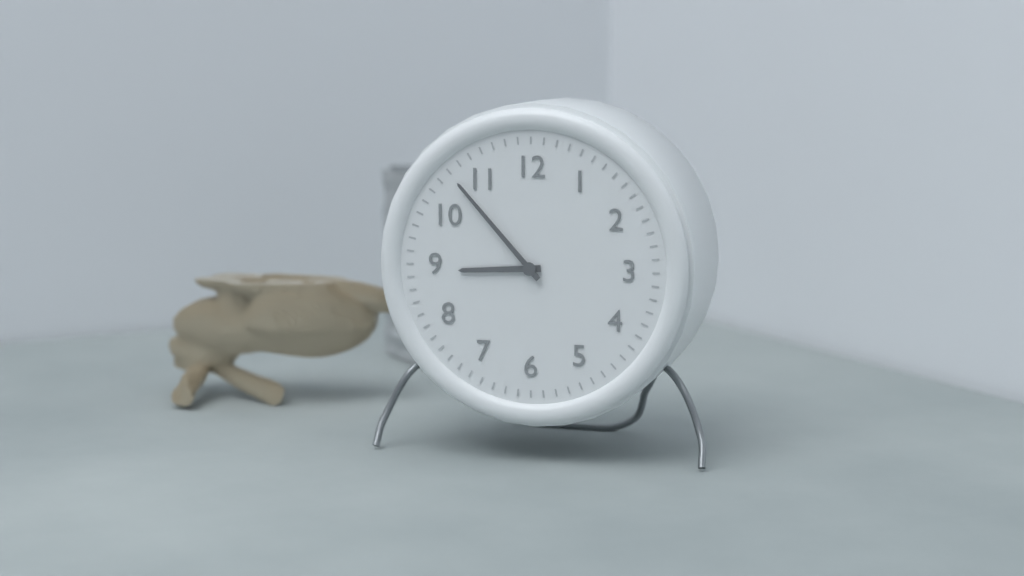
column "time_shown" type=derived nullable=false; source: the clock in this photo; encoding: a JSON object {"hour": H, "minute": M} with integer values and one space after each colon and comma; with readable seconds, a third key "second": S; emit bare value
{"hour": 8, "minute": 53}
